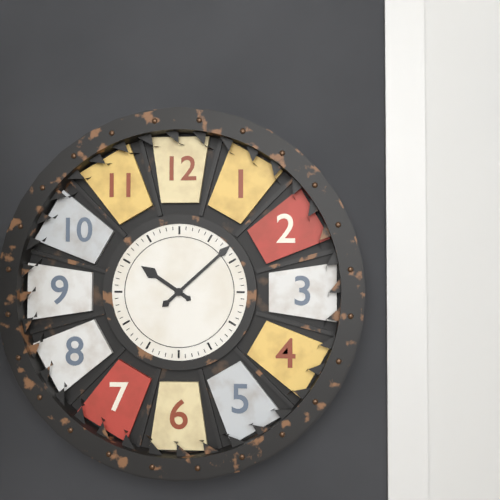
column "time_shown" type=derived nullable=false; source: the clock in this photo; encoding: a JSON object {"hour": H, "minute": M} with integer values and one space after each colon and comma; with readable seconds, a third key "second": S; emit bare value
{"hour": 10, "minute": 8}
